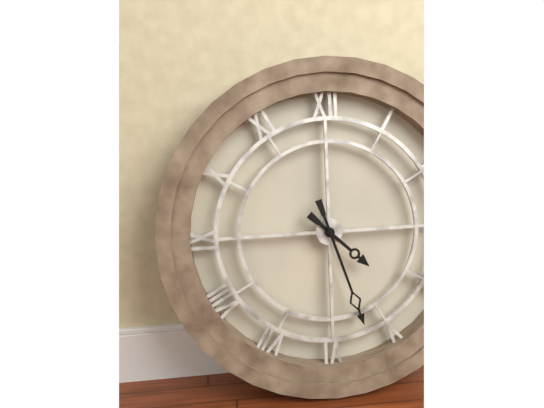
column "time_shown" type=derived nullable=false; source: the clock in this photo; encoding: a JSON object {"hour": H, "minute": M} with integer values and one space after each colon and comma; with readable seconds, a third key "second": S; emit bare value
{"hour": 4, "minute": 27}
